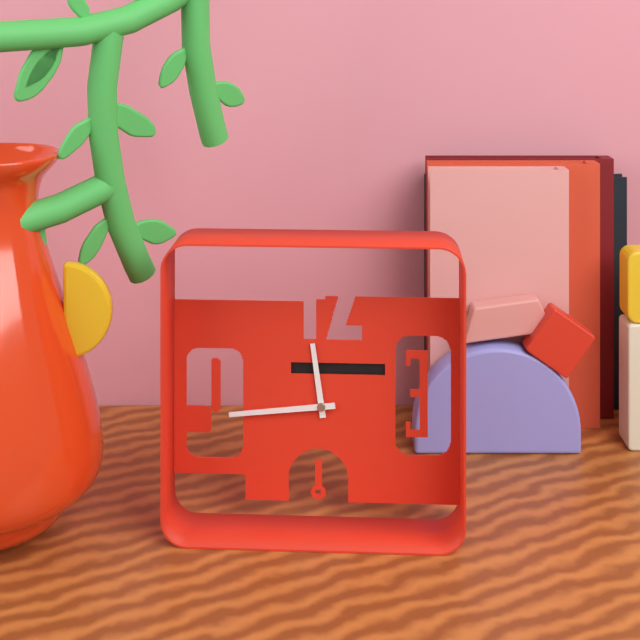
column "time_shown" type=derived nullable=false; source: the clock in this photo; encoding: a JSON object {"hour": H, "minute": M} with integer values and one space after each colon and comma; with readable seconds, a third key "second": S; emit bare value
{"hour": 11, "minute": 44}
